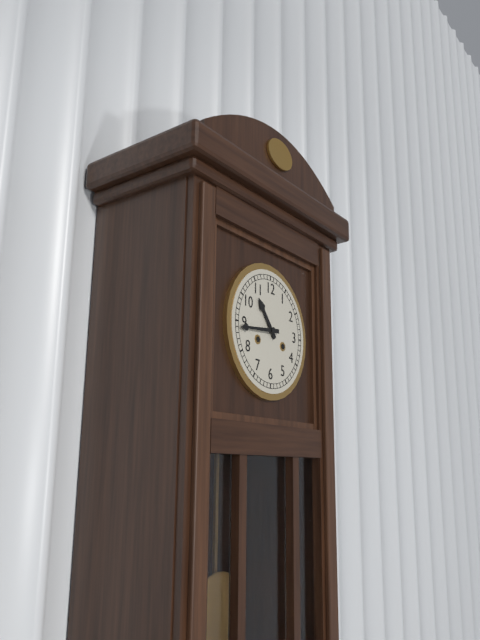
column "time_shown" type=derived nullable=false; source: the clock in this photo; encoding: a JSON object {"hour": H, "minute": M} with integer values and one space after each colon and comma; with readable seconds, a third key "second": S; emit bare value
{"hour": 10, "minute": 44}
